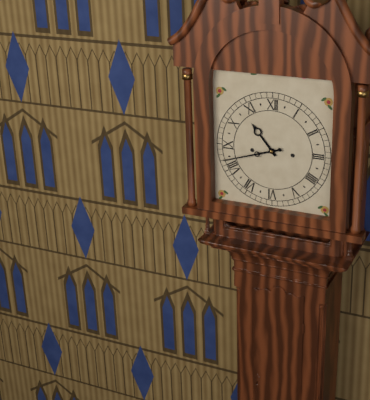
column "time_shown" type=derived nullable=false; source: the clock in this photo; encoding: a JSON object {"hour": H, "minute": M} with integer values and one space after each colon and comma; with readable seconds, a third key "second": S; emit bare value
{"hour": 10, "minute": 42}
